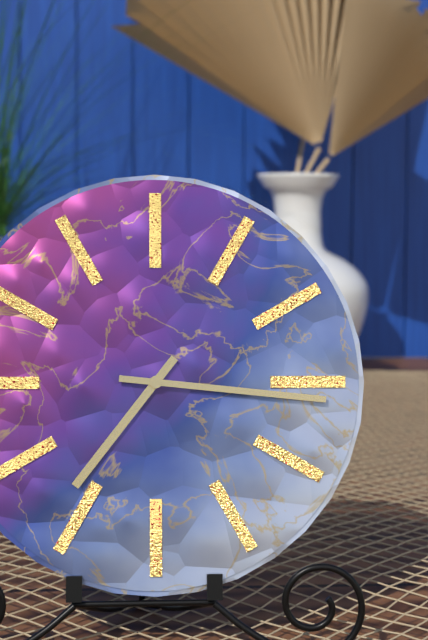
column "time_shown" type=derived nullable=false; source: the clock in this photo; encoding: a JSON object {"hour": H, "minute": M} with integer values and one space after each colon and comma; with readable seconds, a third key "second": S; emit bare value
{"hour": 7, "minute": 16}
